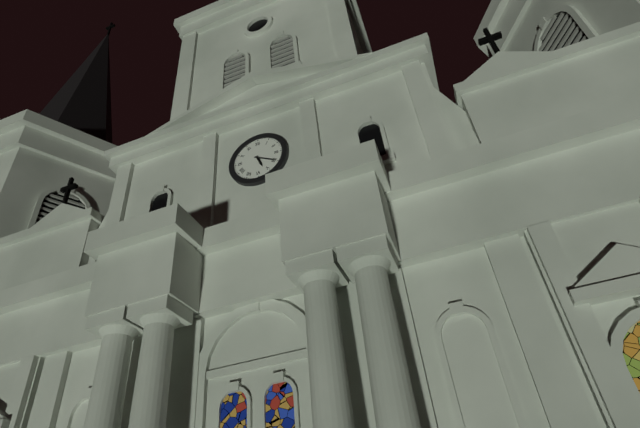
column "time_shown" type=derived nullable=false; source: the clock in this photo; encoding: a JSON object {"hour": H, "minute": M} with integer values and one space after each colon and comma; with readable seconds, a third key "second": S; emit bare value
{"hour": 5, "minute": 20}
